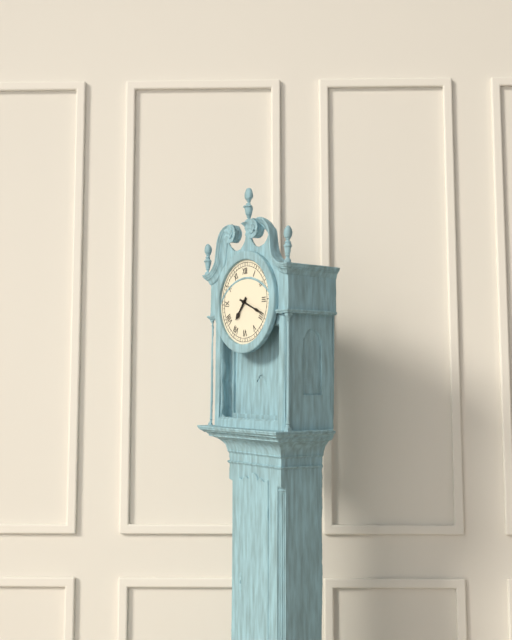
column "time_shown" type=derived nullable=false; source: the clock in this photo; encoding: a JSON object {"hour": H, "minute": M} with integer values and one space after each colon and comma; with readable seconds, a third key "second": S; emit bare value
{"hour": 7, "minute": 19}
